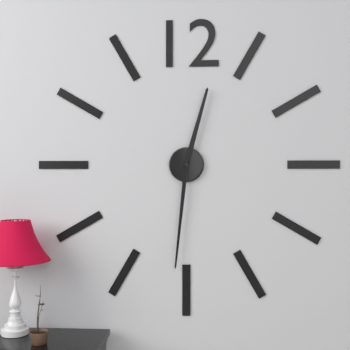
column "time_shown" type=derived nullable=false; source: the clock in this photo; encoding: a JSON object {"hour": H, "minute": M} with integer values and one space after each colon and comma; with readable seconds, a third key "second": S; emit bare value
{"hour": 12, "minute": 31}
